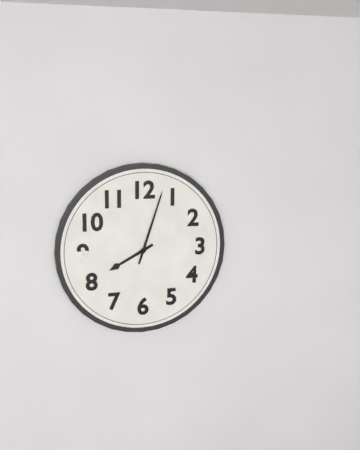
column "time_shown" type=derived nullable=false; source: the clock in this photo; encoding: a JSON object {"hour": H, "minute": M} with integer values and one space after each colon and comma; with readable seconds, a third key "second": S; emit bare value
{"hour": 8, "minute": 3}
